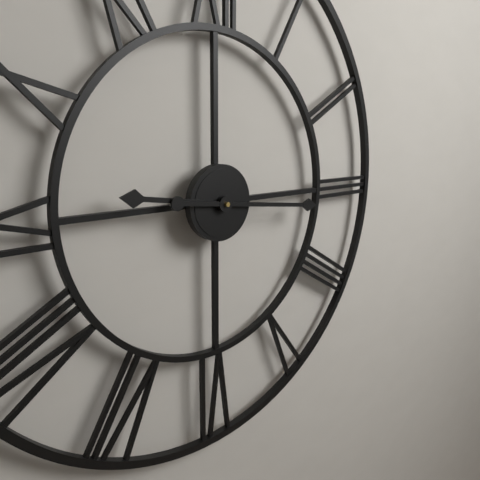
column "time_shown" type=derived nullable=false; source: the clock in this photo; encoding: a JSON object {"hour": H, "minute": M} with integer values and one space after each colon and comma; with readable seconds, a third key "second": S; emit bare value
{"hour": 9, "minute": 16}
